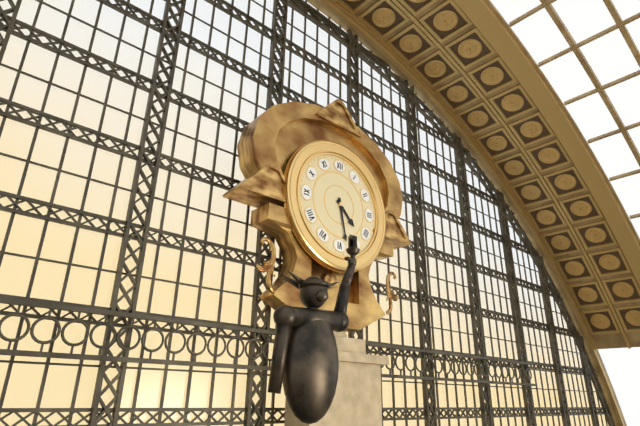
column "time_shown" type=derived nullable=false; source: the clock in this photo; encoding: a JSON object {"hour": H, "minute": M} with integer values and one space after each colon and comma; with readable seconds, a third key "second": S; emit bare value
{"hour": 4, "minute": 28}
